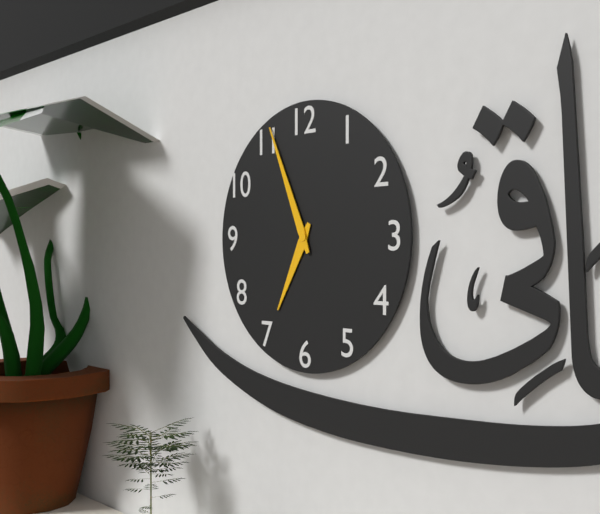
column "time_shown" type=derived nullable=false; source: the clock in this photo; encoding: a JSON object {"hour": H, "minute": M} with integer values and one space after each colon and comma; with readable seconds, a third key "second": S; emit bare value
{"hour": 6, "minute": 56}
